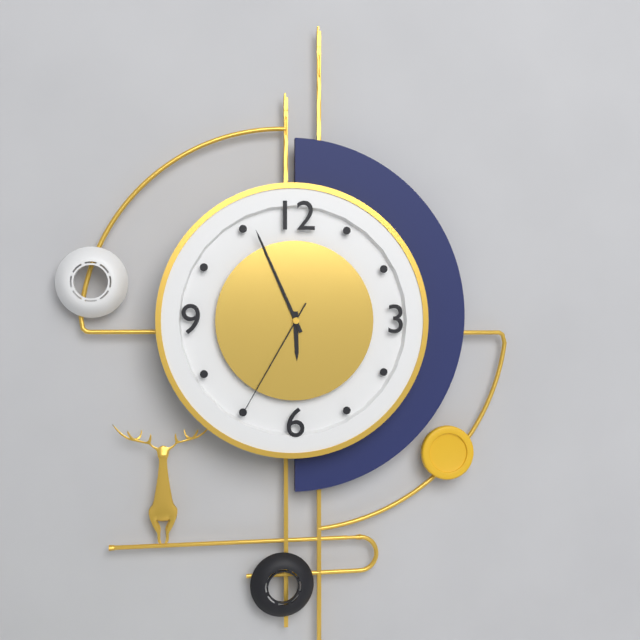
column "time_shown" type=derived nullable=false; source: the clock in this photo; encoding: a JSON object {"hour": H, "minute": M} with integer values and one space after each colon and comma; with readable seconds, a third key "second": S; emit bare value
{"hour": 5, "minute": 56, "second": 35}
